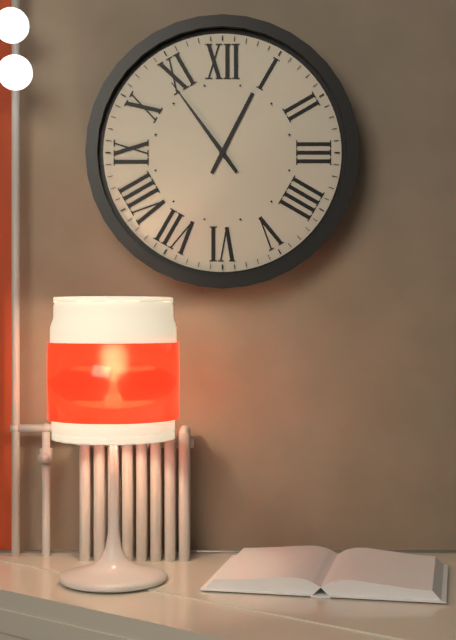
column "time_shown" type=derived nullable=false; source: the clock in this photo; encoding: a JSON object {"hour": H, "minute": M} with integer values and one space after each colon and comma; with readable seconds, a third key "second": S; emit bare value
{"hour": 12, "minute": 54}
